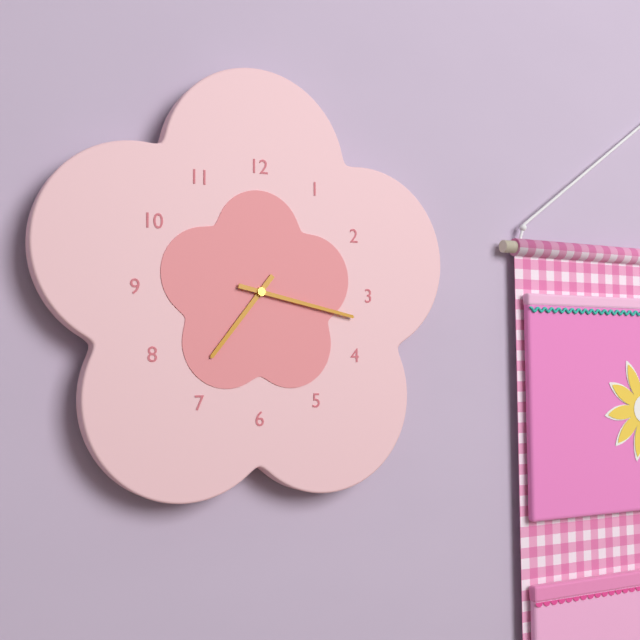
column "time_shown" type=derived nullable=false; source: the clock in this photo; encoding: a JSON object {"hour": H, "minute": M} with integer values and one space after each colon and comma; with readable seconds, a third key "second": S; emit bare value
{"hour": 7, "minute": 17}
